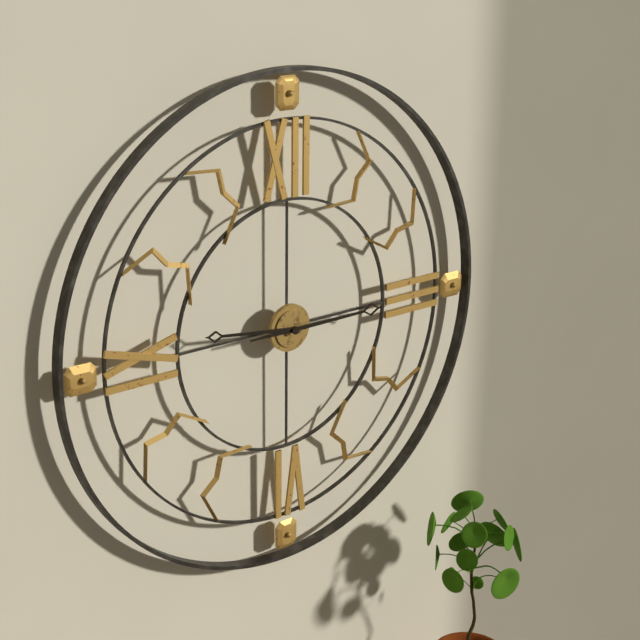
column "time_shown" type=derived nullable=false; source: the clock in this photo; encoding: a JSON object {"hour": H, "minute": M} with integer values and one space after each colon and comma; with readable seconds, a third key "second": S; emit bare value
{"hour": 9, "minute": 15}
